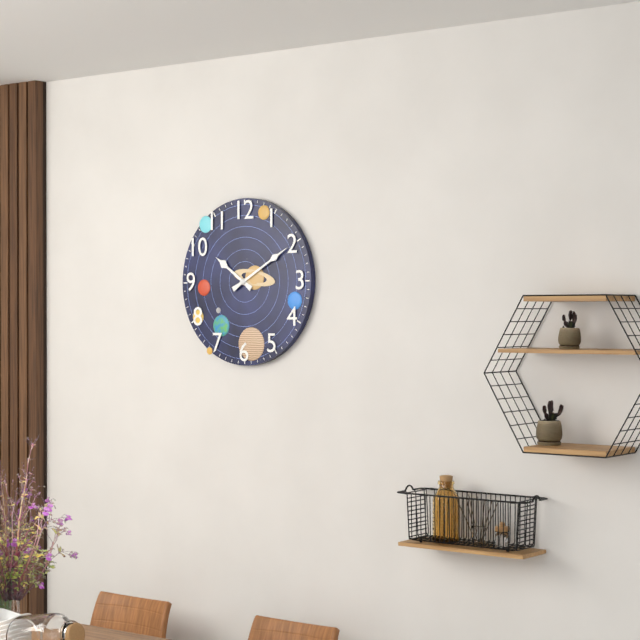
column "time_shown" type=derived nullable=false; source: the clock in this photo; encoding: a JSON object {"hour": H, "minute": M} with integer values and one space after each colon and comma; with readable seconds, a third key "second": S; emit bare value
{"hour": 10, "minute": 10}
